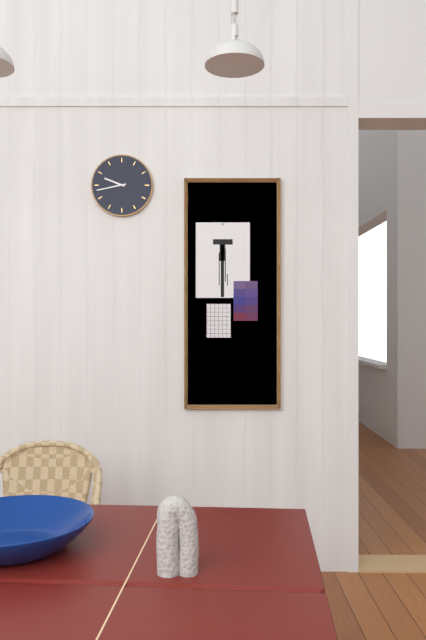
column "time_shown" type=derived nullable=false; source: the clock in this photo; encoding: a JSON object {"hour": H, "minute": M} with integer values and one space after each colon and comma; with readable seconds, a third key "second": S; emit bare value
{"hour": 9, "minute": 43}
